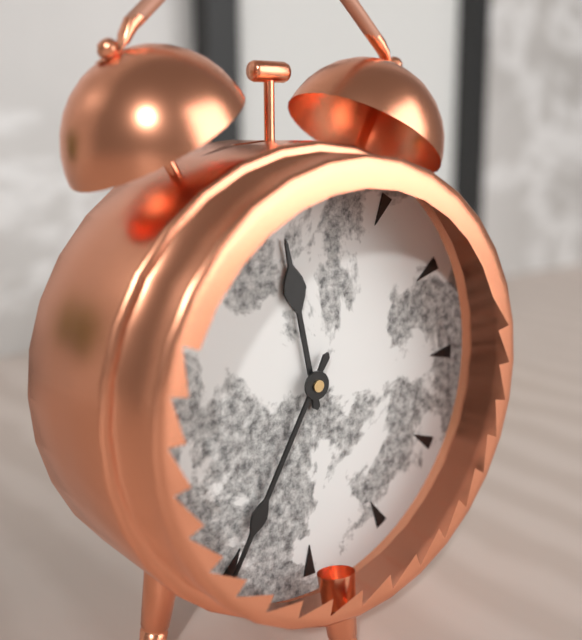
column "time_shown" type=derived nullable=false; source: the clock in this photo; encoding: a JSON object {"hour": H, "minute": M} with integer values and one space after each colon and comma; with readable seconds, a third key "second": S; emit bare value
{"hour": 11, "minute": 35}
